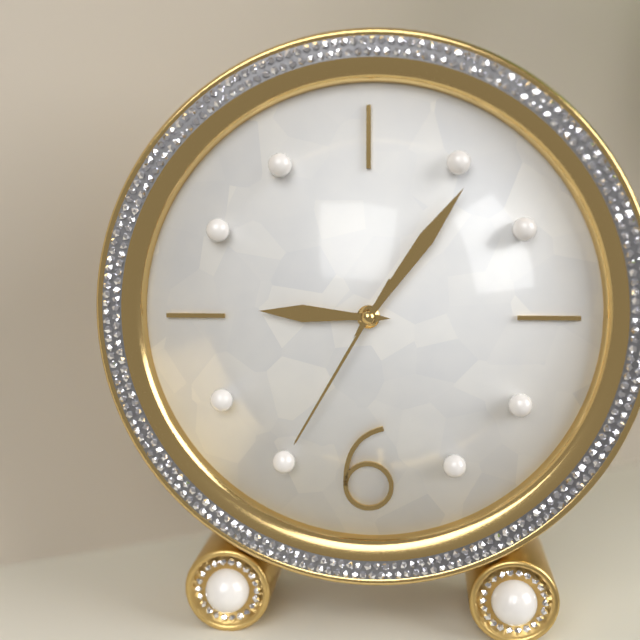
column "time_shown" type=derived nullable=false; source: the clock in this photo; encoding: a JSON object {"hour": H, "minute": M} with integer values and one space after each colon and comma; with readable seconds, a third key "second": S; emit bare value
{"hour": 9, "minute": 6, "second": 35}
